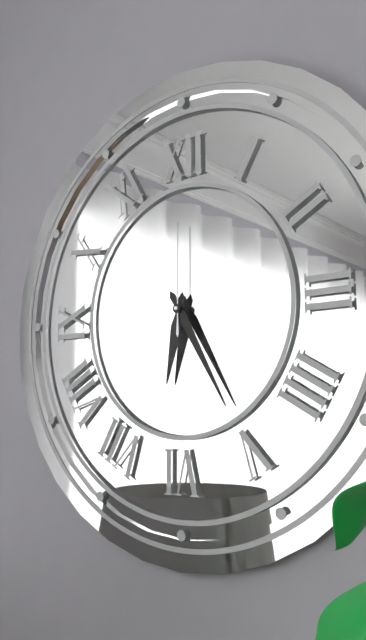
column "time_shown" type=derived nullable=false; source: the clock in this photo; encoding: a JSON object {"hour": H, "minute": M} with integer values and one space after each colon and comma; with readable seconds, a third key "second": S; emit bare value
{"hour": 6, "minute": 25, "second": 0}
